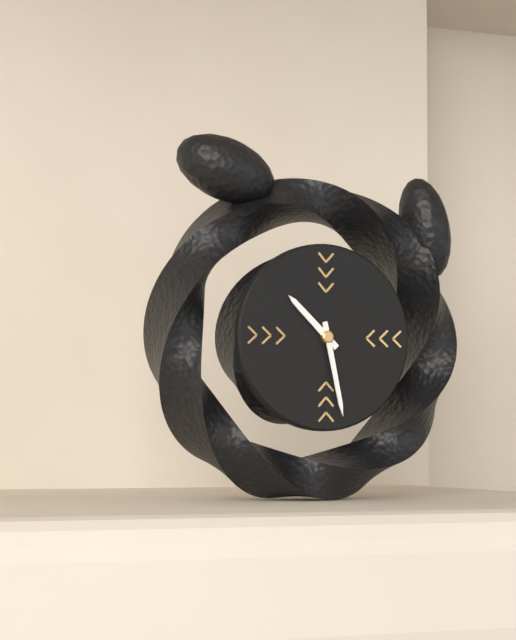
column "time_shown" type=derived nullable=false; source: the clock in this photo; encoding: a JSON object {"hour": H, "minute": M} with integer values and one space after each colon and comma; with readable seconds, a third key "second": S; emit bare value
{"hour": 10, "minute": 28}
